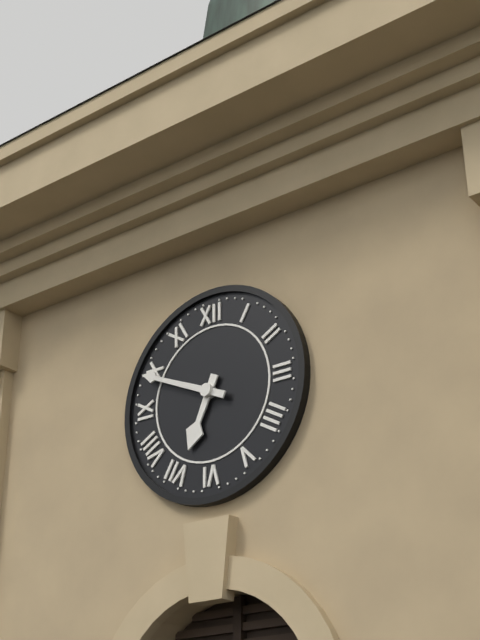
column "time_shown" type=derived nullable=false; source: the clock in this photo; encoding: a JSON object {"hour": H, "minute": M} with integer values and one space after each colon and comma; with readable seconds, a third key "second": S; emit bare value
{"hour": 6, "minute": 49}
